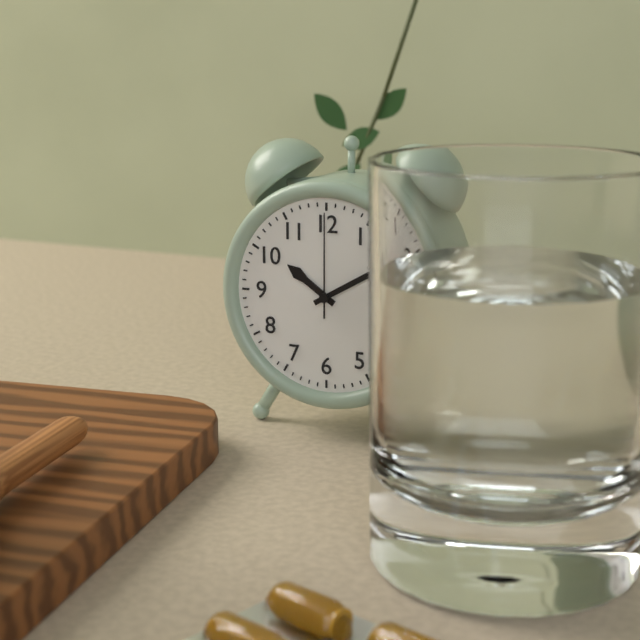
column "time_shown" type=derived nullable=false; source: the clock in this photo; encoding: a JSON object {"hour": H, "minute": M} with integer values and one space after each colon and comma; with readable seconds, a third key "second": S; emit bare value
{"hour": 10, "minute": 10, "second": 0}
